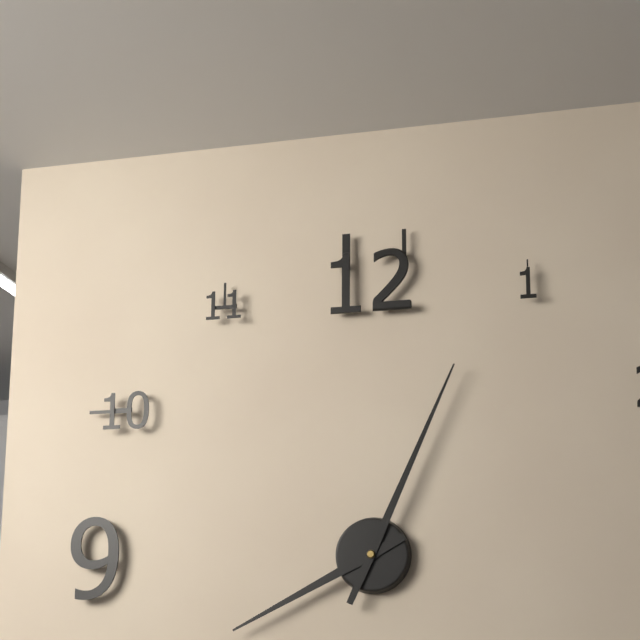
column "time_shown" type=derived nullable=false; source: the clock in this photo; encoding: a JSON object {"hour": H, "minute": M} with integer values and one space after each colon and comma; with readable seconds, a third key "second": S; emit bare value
{"hour": 8, "minute": 4}
